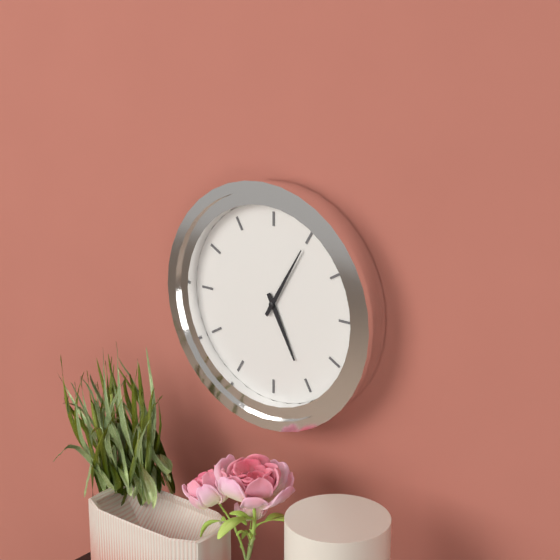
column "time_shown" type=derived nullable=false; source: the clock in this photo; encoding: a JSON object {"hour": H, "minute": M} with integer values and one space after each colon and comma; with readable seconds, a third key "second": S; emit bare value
{"hour": 5, "minute": 5}
